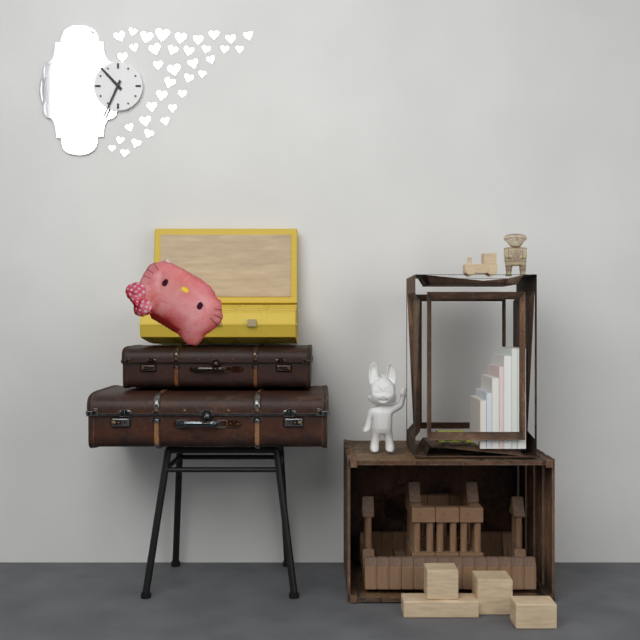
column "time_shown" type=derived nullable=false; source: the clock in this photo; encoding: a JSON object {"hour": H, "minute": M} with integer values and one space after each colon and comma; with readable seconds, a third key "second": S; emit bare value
{"hour": 10, "minute": 34}
